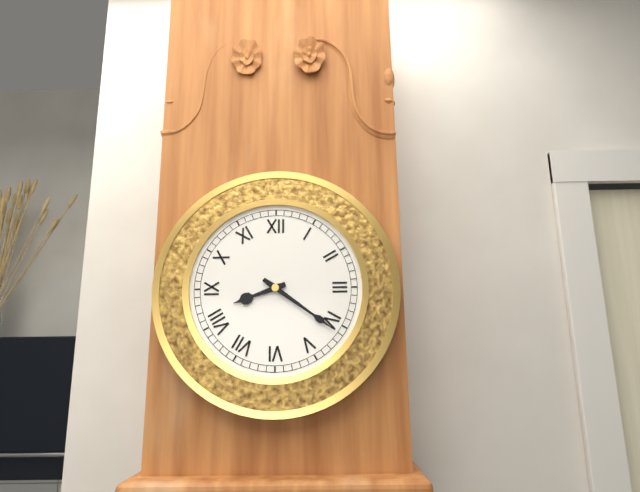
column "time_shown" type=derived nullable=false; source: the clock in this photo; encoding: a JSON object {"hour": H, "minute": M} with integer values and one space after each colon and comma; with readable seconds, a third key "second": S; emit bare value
{"hour": 8, "minute": 21}
